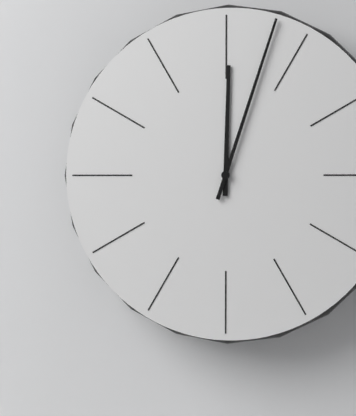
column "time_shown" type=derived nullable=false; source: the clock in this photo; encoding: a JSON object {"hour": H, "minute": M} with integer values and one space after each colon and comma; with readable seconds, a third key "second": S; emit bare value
{"hour": 12, "minute": 3}
